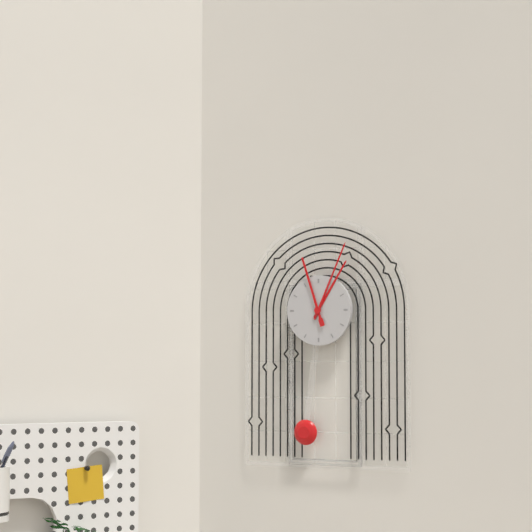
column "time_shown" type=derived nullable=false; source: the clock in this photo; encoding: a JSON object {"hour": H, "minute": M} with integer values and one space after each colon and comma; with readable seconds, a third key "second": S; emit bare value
{"hour": 1, "minute": 4, "second": 57}
